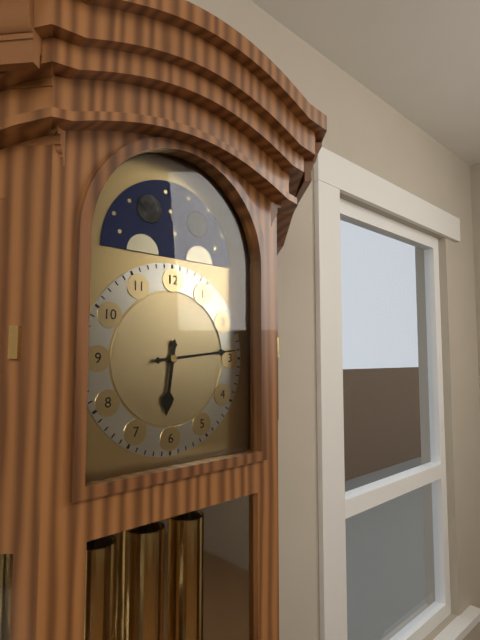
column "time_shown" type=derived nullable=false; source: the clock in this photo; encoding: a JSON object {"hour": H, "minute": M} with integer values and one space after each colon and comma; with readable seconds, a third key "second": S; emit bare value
{"hour": 6, "minute": 14}
